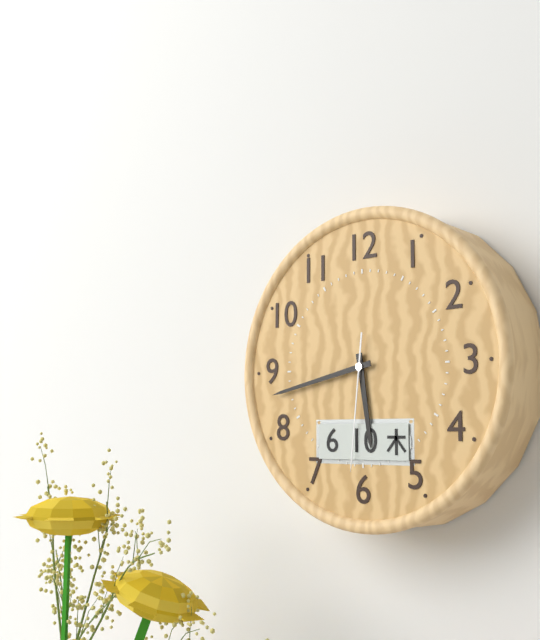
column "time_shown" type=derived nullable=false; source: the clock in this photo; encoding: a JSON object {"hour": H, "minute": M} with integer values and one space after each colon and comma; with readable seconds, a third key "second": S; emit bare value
{"hour": 5, "minute": 43, "second": 31}
